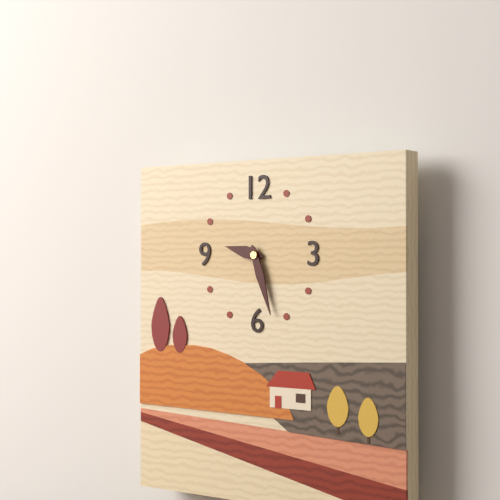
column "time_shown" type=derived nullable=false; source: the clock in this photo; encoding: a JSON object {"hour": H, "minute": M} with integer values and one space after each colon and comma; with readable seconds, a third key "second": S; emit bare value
{"hour": 9, "minute": 27}
